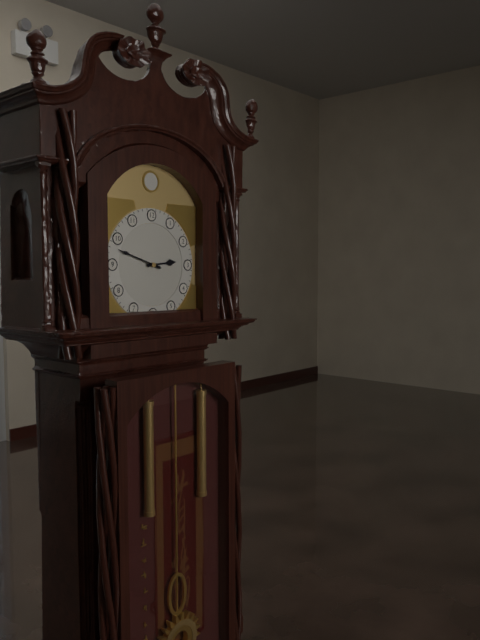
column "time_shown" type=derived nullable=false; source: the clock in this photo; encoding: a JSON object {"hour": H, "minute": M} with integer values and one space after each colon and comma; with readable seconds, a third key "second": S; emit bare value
{"hour": 2, "minute": 48}
